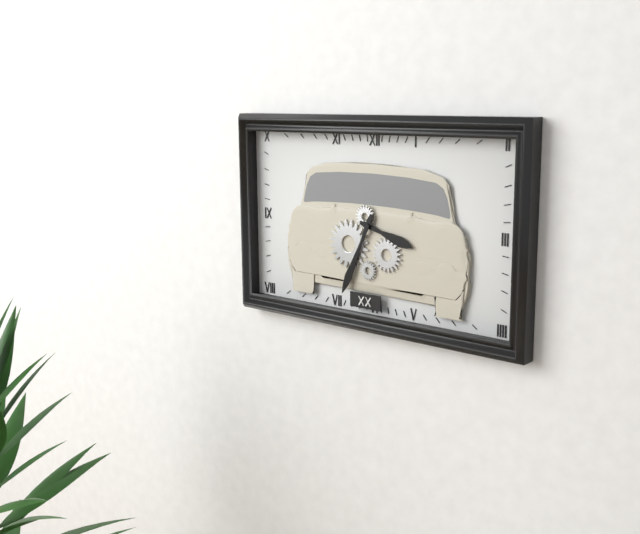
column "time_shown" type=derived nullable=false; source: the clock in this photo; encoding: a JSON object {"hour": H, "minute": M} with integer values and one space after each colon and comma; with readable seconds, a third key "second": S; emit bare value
{"hour": 3, "minute": 34}
